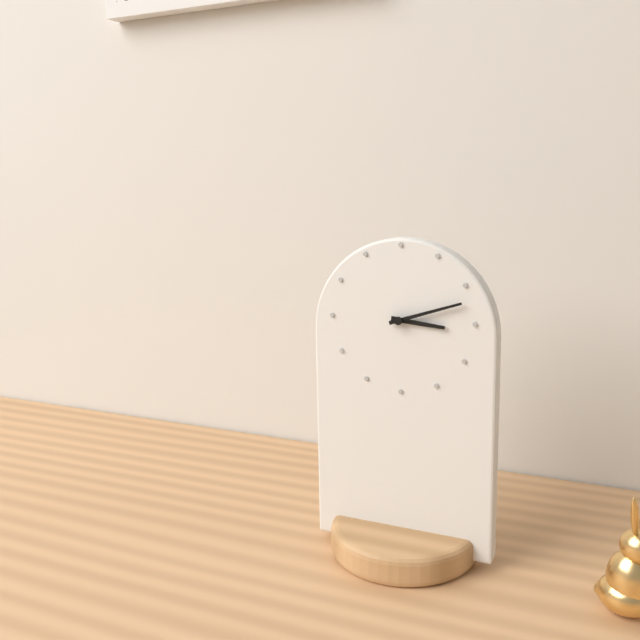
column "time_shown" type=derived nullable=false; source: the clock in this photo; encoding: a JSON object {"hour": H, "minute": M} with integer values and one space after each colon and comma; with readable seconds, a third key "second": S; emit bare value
{"hour": 3, "minute": 12}
